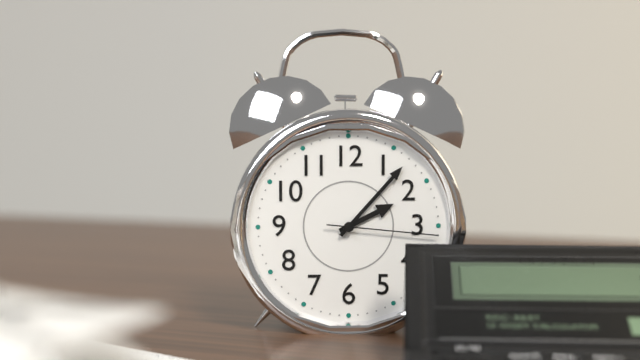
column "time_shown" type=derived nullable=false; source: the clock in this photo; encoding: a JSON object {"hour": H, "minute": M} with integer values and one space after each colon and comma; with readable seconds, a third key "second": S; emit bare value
{"hour": 2, "minute": 7, "second": 16}
